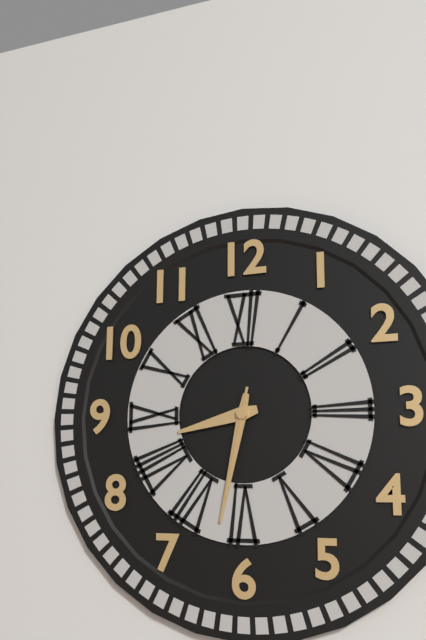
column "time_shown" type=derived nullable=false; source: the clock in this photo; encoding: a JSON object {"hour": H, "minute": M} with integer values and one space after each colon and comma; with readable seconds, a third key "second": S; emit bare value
{"hour": 8, "minute": 32, "second": 32}
